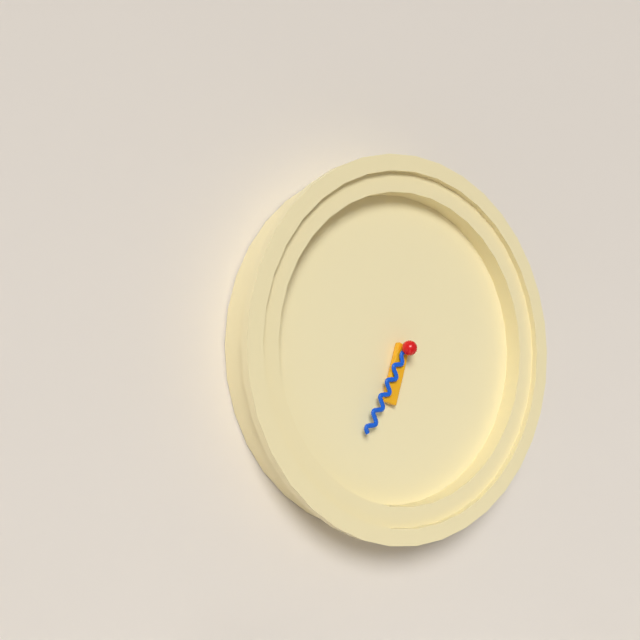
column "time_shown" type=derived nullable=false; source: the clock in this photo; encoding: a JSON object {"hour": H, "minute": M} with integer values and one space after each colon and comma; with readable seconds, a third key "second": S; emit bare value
{"hour": 6, "minute": 35}
